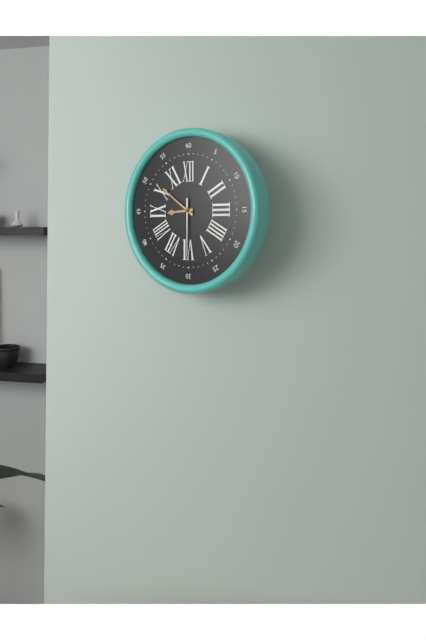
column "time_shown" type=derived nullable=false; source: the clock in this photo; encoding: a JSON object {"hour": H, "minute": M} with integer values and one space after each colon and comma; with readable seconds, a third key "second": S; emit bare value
{"hour": 8, "minute": 51, "second": 30}
